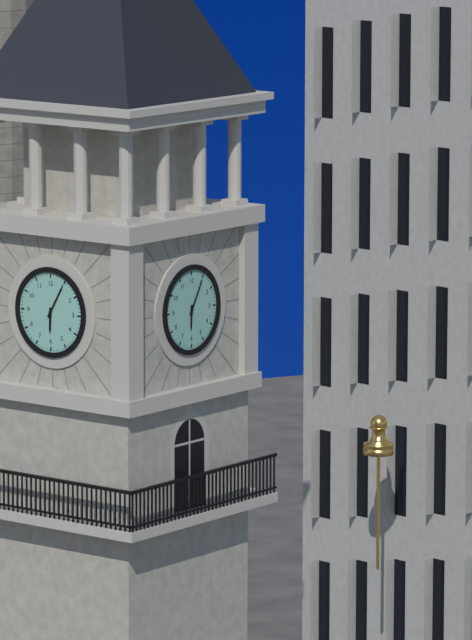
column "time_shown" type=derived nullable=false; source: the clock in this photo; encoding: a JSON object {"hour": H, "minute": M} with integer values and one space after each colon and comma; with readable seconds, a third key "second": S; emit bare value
{"hour": 6, "minute": 5}
